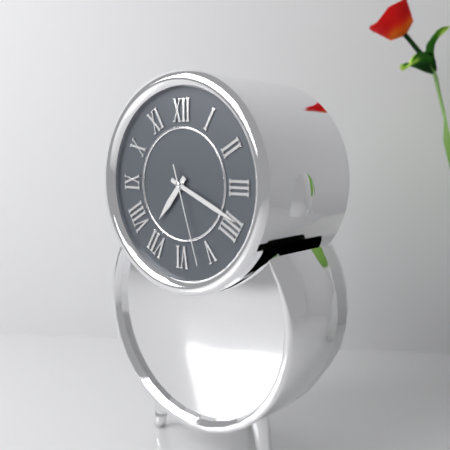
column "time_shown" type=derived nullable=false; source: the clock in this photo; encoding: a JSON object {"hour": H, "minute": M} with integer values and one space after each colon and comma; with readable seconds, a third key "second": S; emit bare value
{"hour": 7, "minute": 19, "second": 27}
